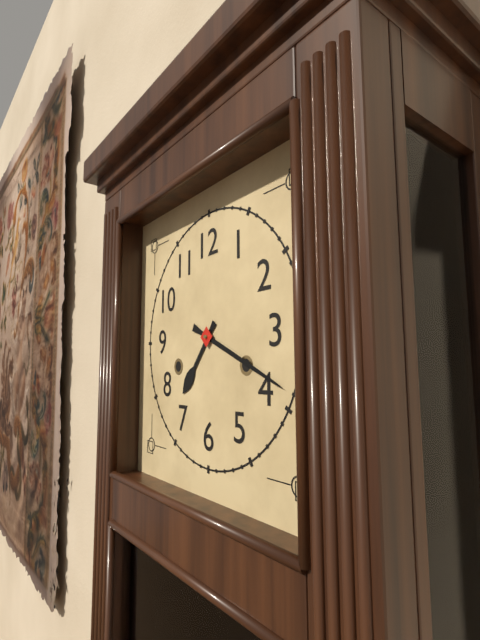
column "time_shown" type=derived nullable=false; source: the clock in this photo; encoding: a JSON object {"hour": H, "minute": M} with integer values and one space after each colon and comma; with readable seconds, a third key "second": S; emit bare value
{"hour": 7, "minute": 19}
